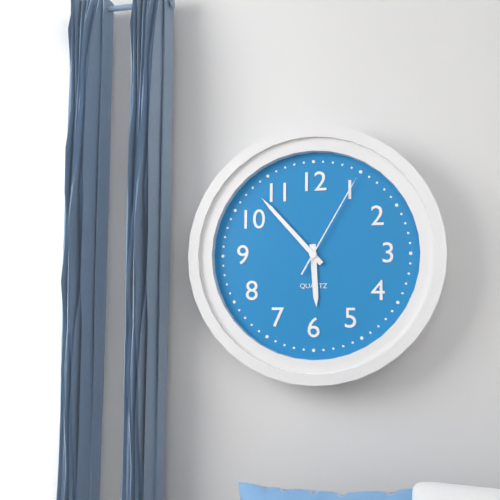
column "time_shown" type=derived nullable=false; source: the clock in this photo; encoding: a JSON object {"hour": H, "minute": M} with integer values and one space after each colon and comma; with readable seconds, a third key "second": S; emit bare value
{"hour": 5, "minute": 53, "second": 5}
